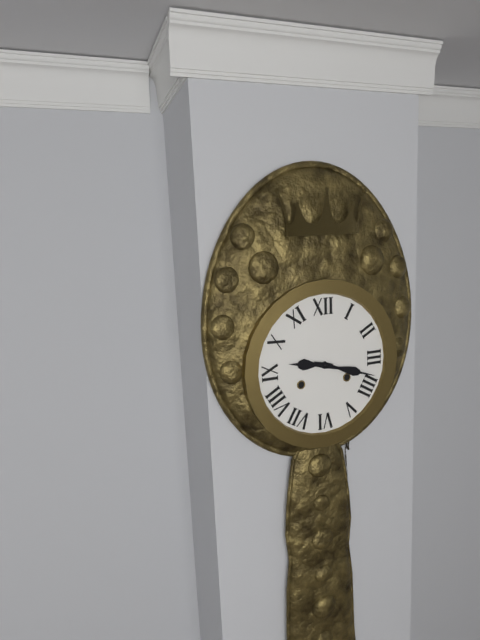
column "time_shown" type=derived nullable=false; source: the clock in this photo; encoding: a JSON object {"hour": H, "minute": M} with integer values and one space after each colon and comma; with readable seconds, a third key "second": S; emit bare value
{"hour": 9, "minute": 18}
